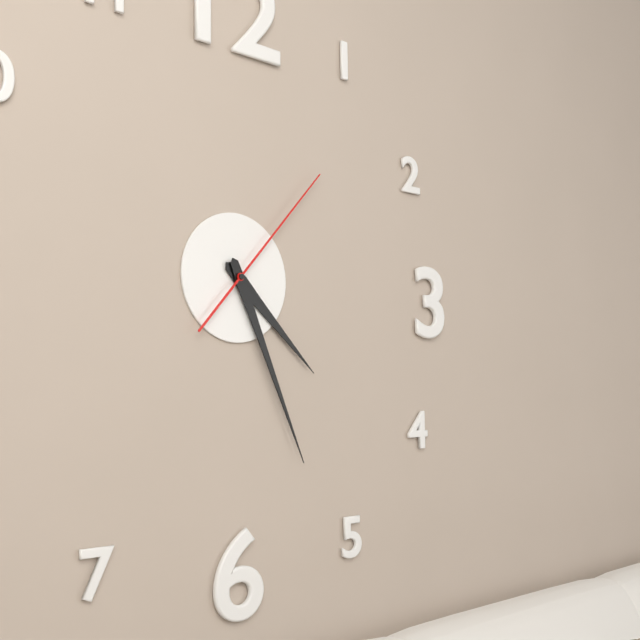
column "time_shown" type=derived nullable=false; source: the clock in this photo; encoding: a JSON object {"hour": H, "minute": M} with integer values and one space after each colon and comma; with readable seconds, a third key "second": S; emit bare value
{"hour": 4, "minute": 26, "second": 7}
